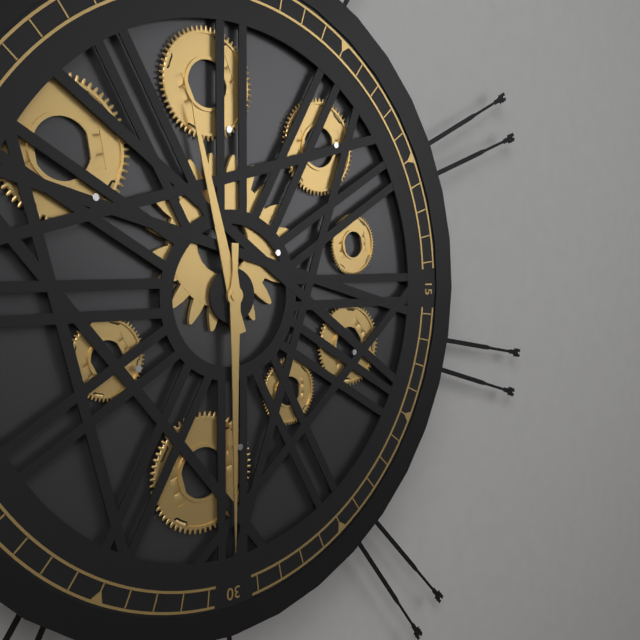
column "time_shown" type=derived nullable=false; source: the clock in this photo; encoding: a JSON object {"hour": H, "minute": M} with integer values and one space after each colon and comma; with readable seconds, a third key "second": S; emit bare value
{"hour": 11, "minute": 30}
